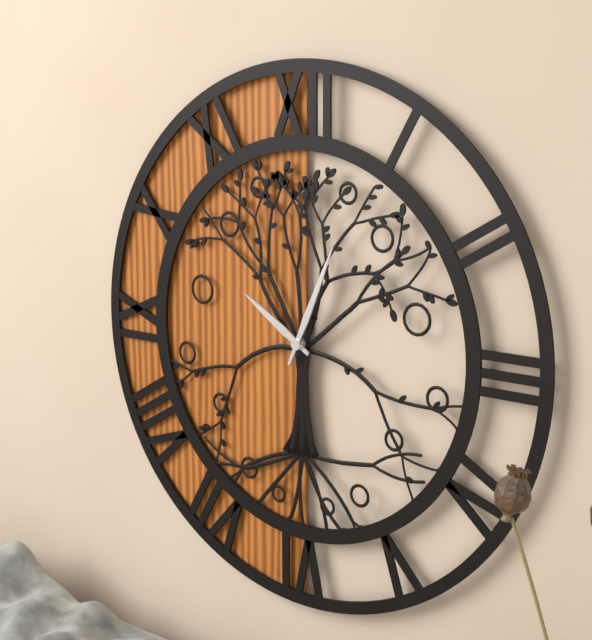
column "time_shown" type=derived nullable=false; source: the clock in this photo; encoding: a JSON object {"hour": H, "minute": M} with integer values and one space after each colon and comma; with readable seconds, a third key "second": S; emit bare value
{"hour": 10, "minute": 4}
